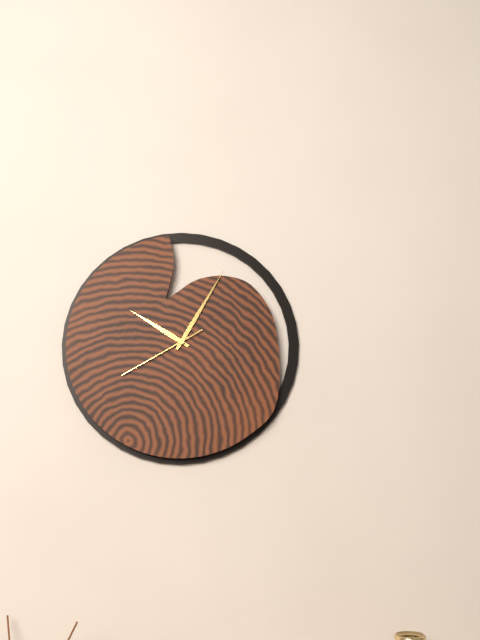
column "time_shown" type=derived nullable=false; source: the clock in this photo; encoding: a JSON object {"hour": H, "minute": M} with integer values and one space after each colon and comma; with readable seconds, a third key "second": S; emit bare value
{"hour": 10, "minute": 5, "second": 40}
